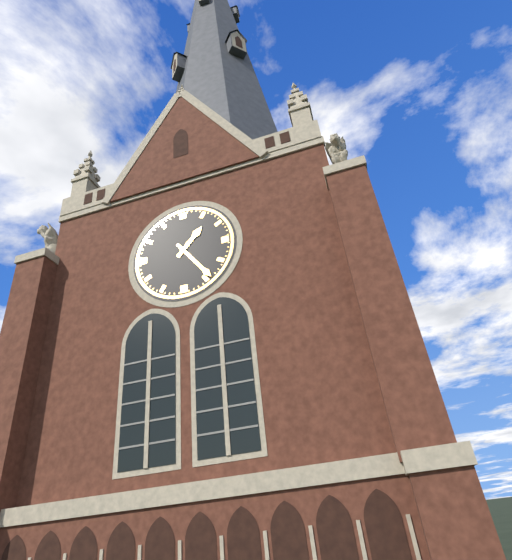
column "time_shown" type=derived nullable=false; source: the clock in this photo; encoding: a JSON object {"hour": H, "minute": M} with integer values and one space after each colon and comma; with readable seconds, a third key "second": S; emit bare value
{"hour": 1, "minute": 24}
